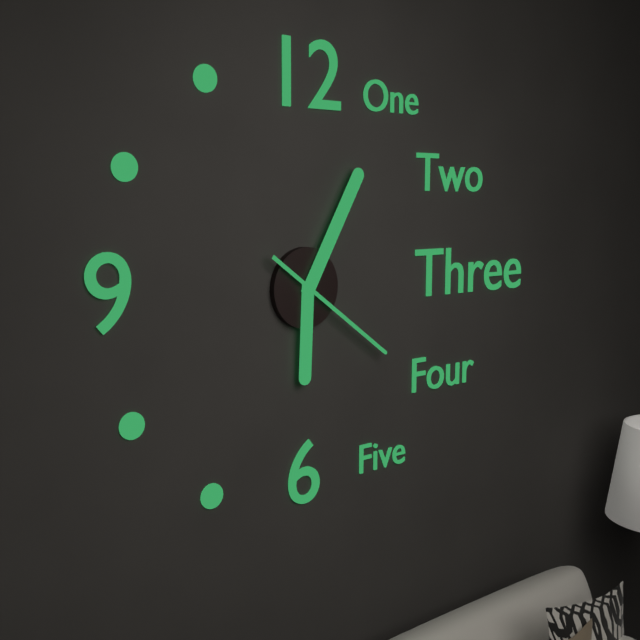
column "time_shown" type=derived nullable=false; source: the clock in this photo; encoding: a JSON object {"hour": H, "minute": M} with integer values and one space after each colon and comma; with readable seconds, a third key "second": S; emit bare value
{"hour": 6, "minute": 5, "second": 21}
